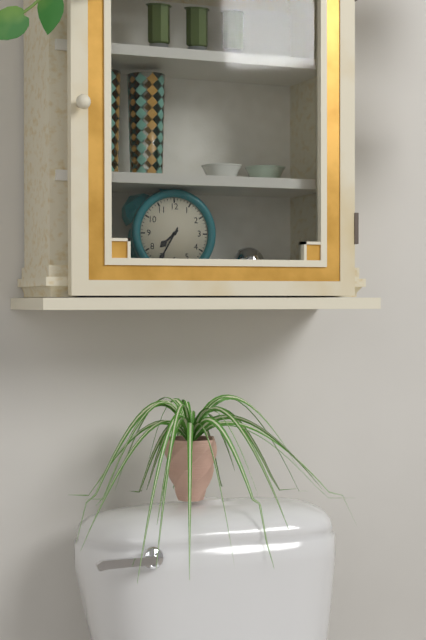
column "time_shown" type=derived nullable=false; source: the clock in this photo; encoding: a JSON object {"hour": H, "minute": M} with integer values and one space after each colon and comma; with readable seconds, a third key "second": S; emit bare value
{"hour": 7, "minute": 35}
